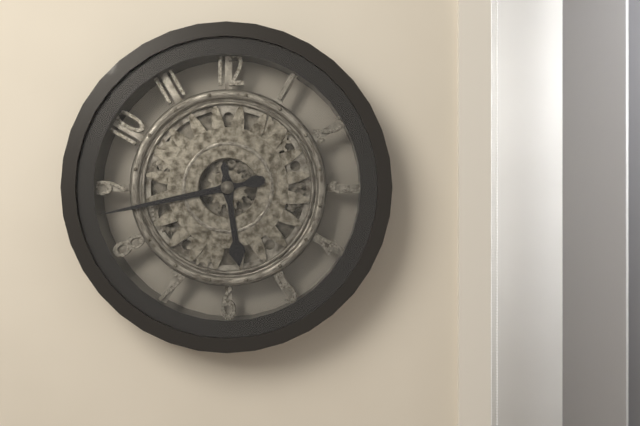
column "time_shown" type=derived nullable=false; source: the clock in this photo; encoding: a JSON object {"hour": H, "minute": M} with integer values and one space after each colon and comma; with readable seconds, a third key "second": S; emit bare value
{"hour": 5, "minute": 43}
